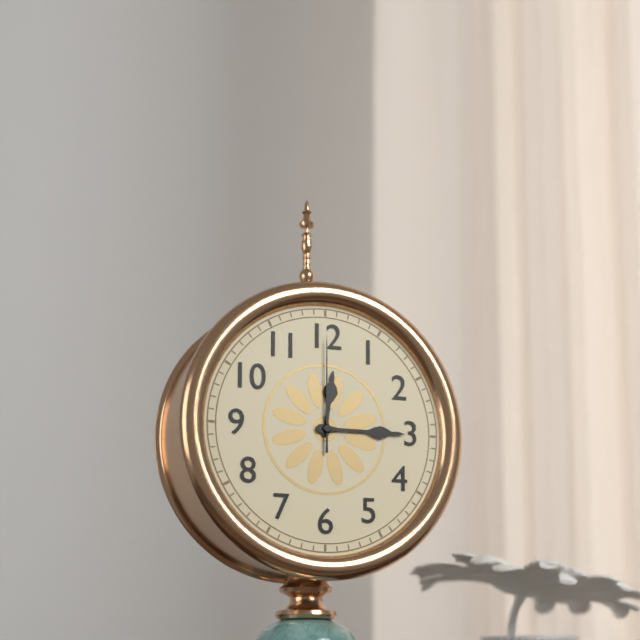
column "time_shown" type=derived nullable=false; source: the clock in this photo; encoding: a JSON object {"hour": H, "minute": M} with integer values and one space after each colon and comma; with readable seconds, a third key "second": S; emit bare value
{"hour": 12, "minute": 15, "second": 0}
